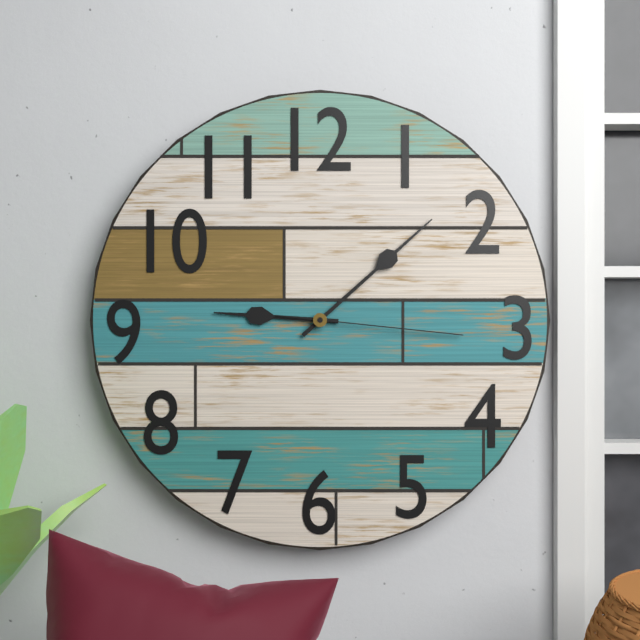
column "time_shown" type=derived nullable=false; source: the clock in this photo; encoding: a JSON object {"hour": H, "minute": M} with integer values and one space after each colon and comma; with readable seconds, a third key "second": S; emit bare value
{"hour": 9, "minute": 8, "second": 16}
